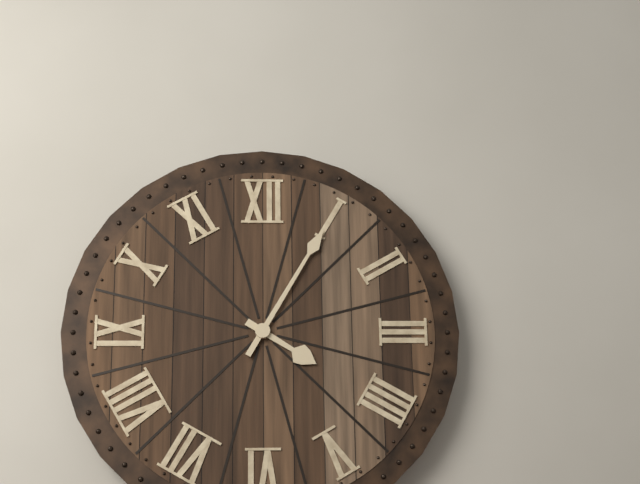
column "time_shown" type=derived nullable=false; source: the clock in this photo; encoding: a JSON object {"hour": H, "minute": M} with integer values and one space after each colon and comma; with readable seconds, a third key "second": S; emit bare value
{"hour": 4, "minute": 5}
